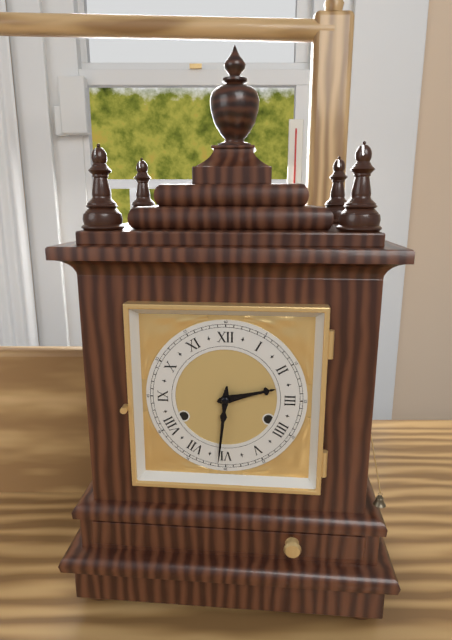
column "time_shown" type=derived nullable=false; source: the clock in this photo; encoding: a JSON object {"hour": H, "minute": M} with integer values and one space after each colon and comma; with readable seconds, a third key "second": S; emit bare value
{"hour": 2, "minute": 31}
